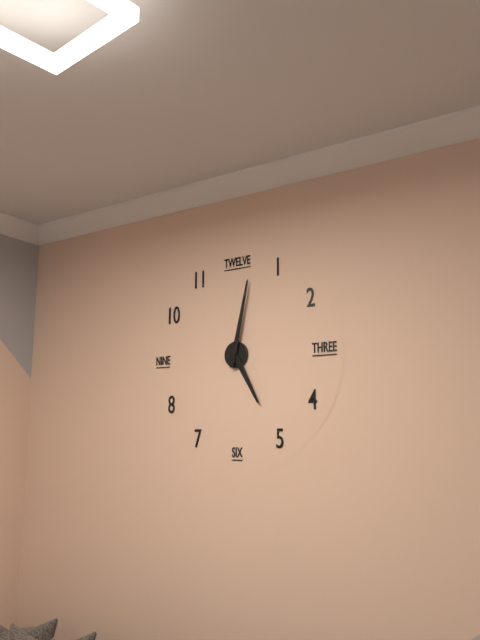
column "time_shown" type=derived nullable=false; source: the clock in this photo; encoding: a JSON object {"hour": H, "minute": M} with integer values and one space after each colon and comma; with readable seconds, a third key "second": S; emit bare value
{"hour": 5, "minute": 2}
